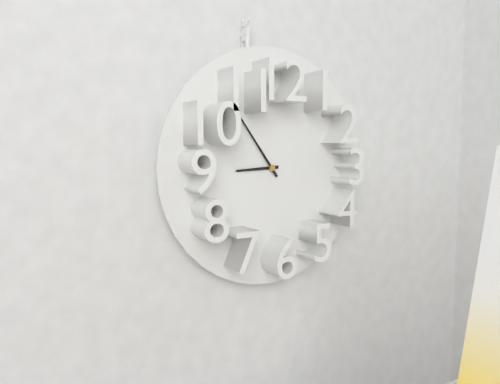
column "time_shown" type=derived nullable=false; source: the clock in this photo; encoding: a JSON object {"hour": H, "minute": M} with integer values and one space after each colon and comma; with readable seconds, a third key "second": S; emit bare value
{"hour": 8, "minute": 54}
